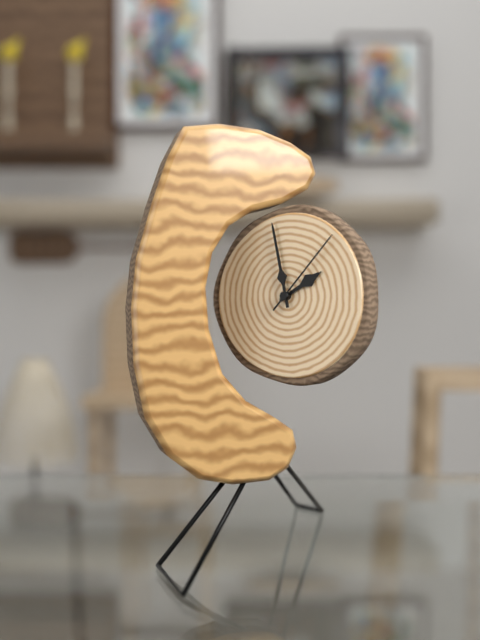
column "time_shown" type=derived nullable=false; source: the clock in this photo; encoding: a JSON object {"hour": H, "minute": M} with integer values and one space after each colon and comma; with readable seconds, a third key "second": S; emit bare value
{"hour": 1, "minute": 58, "second": 7}
